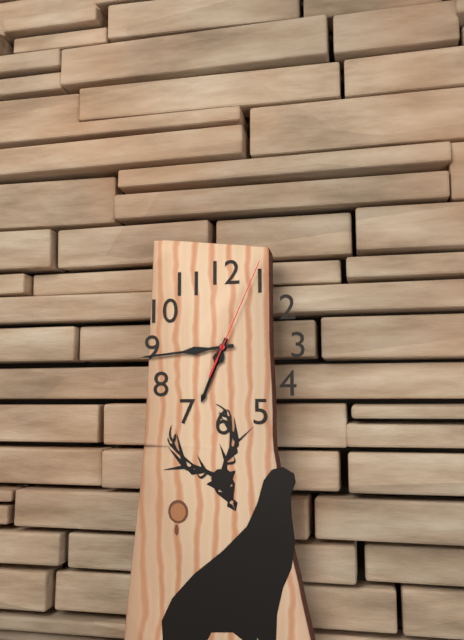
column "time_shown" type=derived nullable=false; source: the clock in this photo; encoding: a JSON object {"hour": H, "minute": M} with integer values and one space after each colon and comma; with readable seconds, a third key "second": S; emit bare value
{"hour": 6, "minute": 44, "second": 4}
